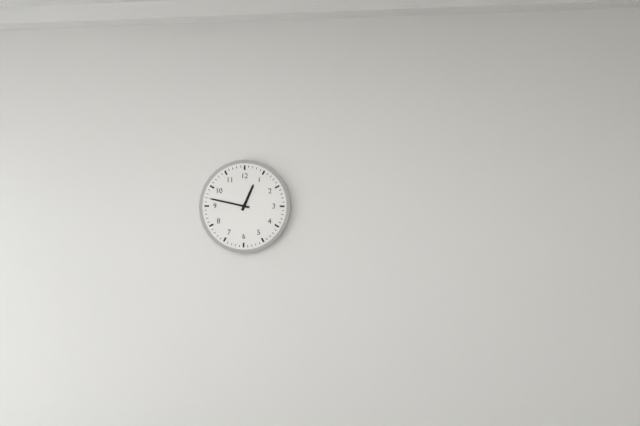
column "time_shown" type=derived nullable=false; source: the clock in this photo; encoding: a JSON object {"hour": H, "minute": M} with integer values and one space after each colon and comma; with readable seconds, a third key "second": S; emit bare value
{"hour": 12, "minute": 47}
